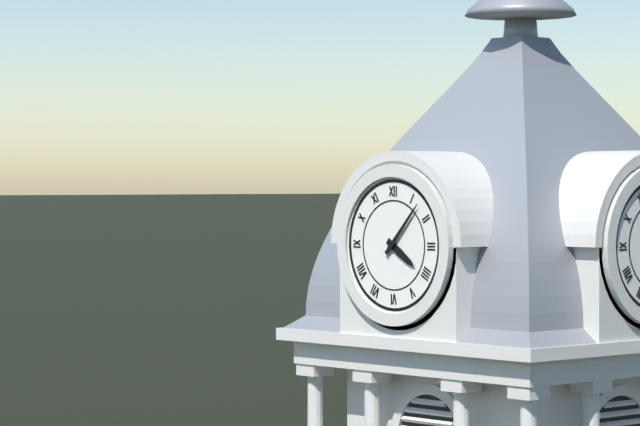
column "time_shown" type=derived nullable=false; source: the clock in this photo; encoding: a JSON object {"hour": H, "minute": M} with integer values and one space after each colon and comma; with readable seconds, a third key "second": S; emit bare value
{"hour": 4, "minute": 7}
